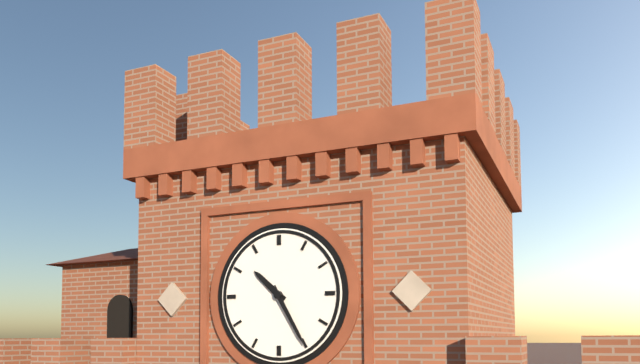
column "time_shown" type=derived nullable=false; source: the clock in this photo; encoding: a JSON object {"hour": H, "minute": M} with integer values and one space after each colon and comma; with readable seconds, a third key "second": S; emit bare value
{"hour": 10, "minute": 25}
